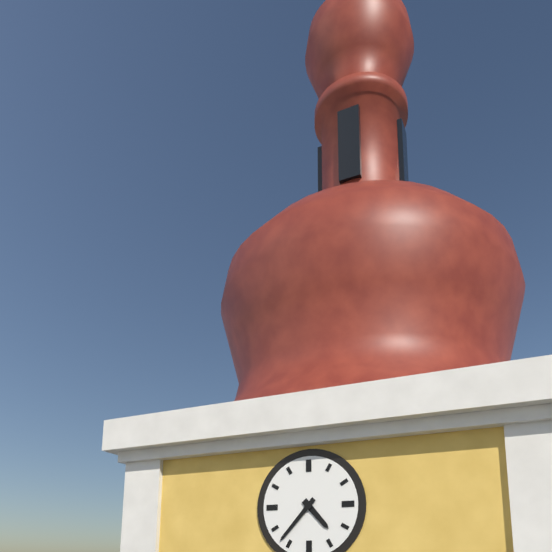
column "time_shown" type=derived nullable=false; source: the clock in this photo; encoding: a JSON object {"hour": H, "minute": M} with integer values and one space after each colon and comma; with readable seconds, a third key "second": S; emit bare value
{"hour": 4, "minute": 37}
